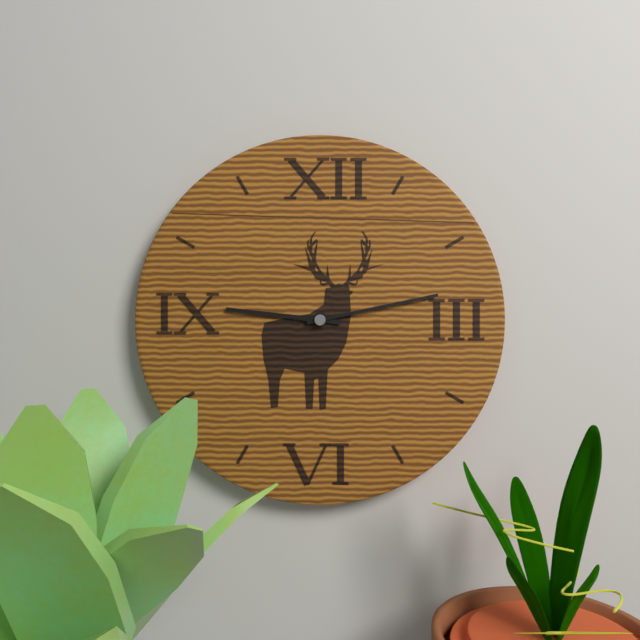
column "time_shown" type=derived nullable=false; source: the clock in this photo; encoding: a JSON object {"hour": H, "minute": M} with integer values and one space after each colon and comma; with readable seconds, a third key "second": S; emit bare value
{"hour": 9, "minute": 13}
